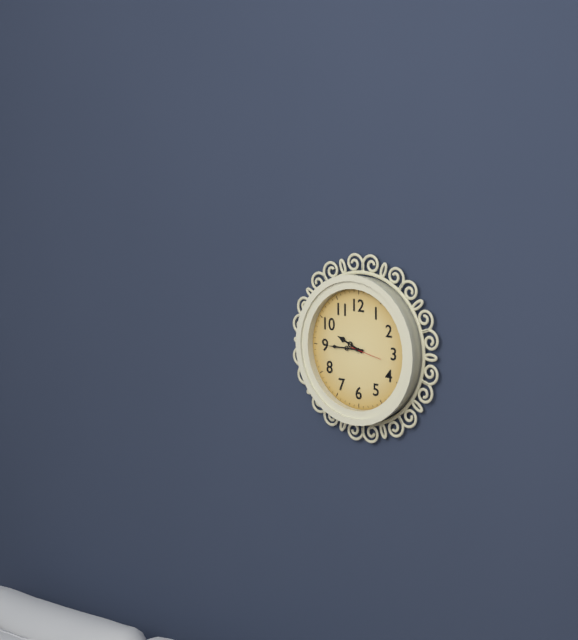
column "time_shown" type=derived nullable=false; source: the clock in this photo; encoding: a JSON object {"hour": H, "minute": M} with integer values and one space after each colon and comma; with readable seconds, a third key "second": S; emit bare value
{"hour": 9, "minute": 45}
